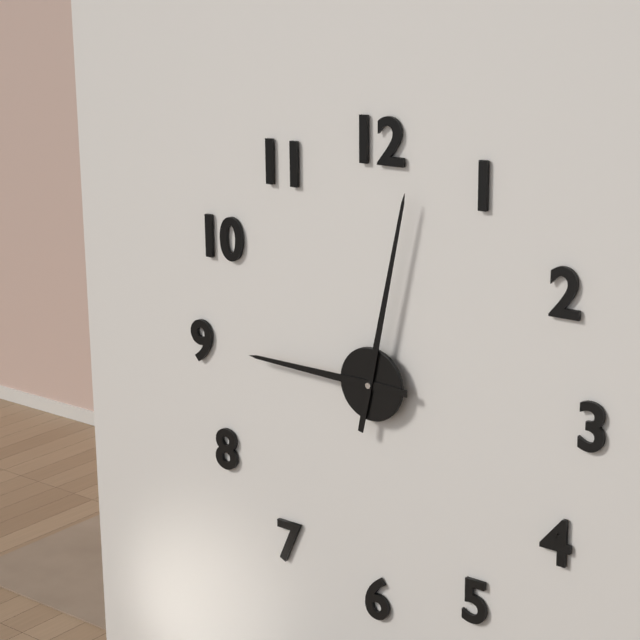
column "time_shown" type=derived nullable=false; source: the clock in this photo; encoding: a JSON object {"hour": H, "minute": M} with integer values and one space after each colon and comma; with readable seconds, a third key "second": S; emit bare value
{"hour": 9, "minute": 2}
